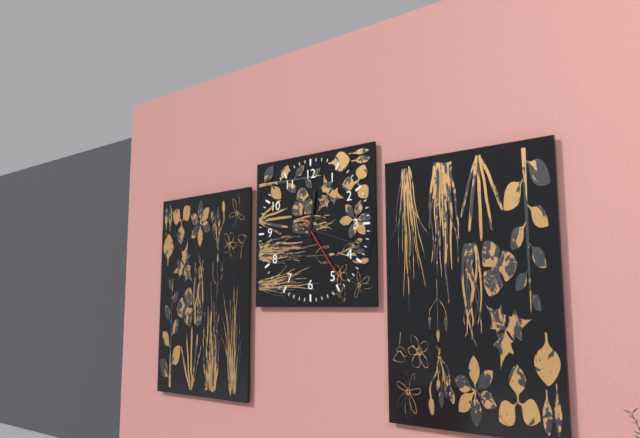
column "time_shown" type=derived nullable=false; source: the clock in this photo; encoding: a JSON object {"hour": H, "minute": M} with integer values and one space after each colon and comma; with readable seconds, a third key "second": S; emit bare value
{"hour": 12, "minute": 18, "second": 24}
